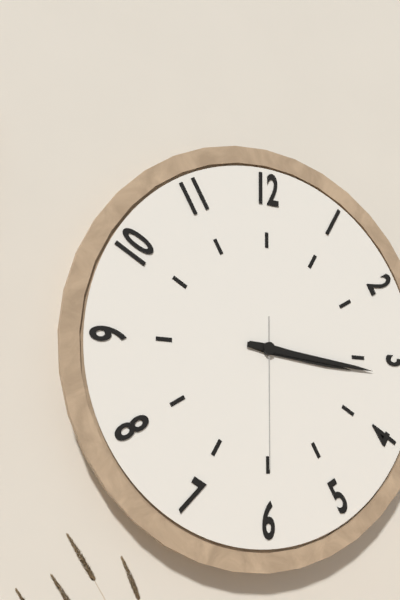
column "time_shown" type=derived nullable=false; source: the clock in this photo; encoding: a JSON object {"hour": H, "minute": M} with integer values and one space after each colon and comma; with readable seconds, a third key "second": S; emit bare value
{"hour": 3, "minute": 16, "second": 30}
